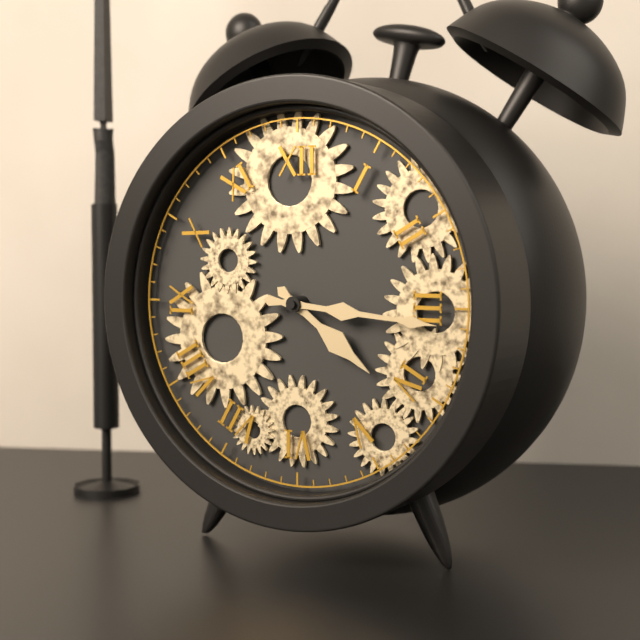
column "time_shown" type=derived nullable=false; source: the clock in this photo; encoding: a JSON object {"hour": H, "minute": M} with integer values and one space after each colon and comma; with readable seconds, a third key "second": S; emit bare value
{"hour": 4, "minute": 16}
